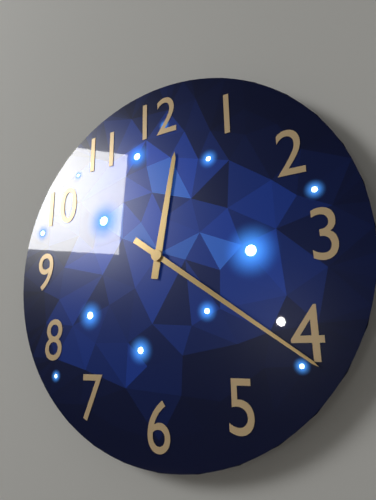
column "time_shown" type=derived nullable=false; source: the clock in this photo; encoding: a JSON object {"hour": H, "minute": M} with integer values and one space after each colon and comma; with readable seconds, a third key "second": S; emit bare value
{"hour": 12, "minute": 21}
